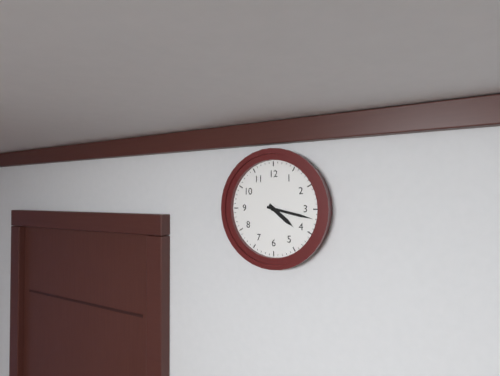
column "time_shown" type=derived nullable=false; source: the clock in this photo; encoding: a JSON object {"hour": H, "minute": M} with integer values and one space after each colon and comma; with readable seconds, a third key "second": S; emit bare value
{"hour": 4, "minute": 17}
